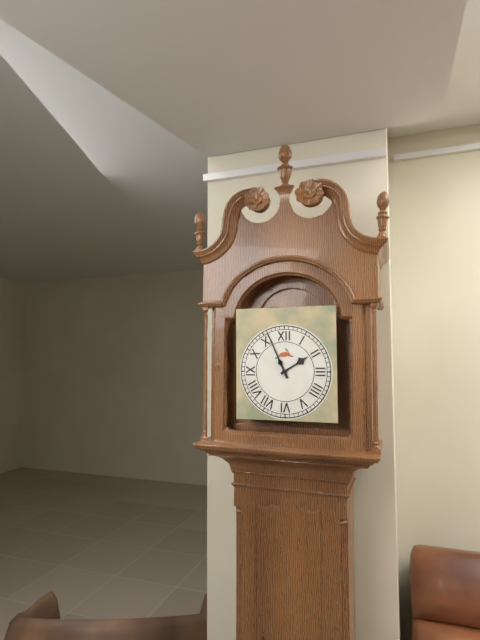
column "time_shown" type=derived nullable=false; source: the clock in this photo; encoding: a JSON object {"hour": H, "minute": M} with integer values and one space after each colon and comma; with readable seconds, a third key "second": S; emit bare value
{"hour": 1, "minute": 56}
